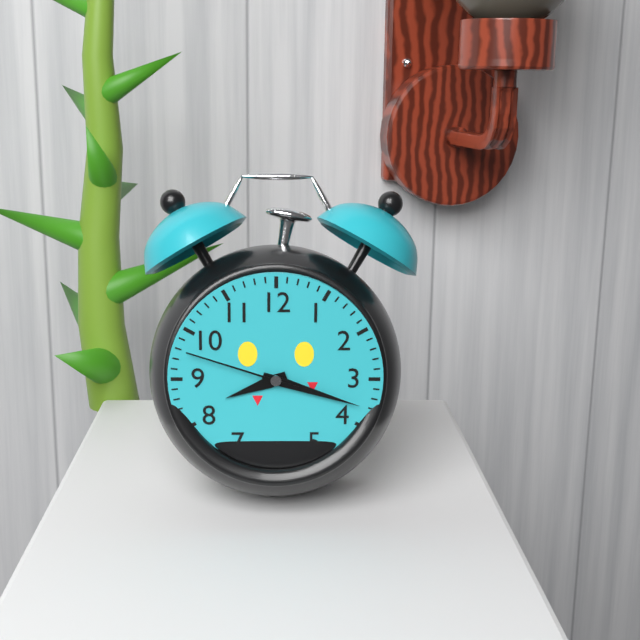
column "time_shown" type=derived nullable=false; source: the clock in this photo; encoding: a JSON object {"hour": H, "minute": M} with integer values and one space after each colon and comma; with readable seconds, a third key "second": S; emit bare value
{"hour": 8, "minute": 18, "second": 48}
